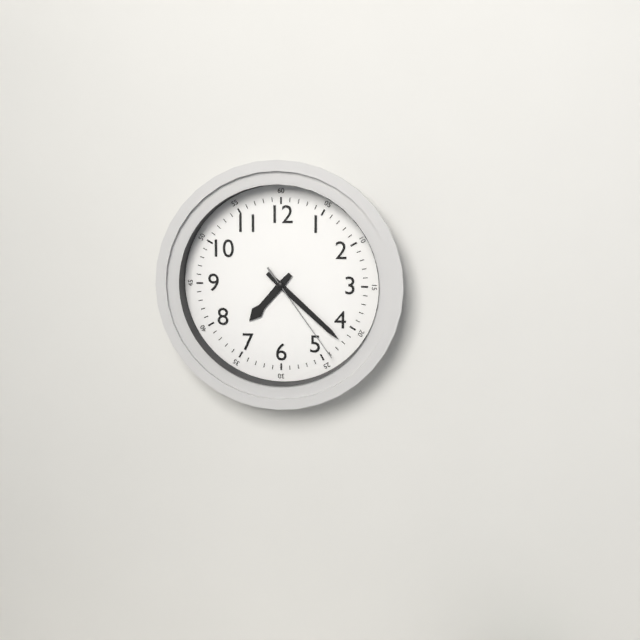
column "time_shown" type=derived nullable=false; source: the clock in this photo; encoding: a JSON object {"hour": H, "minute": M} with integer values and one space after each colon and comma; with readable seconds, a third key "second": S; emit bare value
{"hour": 7, "minute": 22, "second": 24}
